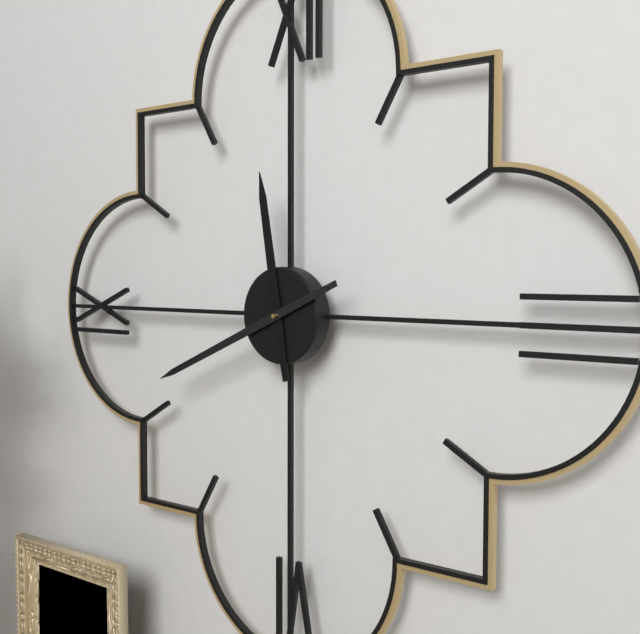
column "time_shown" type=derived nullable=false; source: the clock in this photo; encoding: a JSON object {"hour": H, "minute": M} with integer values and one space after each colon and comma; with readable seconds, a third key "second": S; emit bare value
{"hour": 11, "minute": 41}
